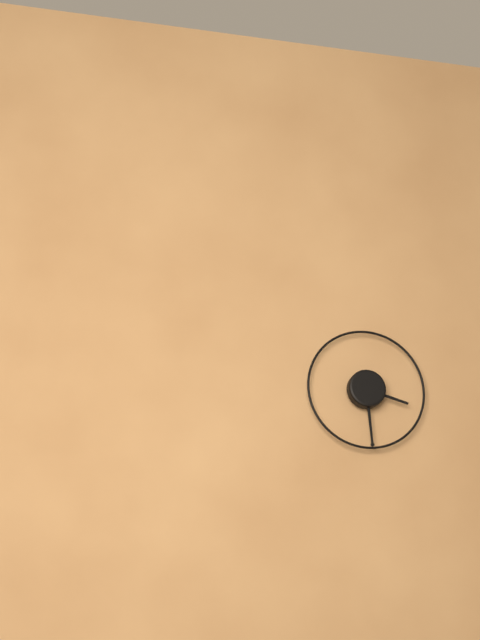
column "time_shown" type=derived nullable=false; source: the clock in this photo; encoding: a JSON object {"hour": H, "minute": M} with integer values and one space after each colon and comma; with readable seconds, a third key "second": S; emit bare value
{"hour": 3, "minute": 29}
